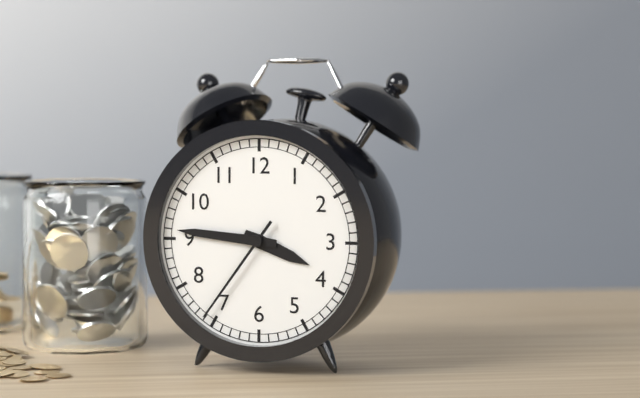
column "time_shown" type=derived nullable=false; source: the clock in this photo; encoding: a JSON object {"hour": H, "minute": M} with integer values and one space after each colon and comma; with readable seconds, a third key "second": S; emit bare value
{"hour": 3, "minute": 46, "second": 36}
